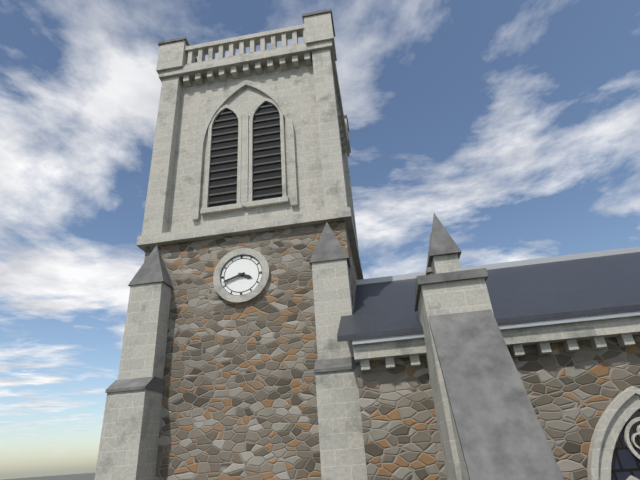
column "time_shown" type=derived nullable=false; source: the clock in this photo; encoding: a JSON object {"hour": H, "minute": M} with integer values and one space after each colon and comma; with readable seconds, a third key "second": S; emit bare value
{"hour": 3, "minute": 42}
